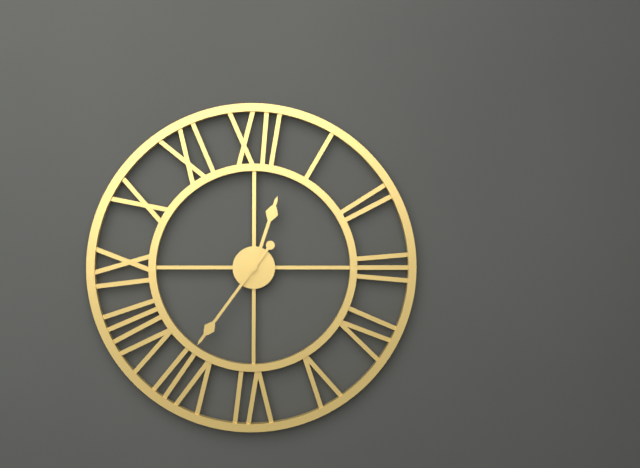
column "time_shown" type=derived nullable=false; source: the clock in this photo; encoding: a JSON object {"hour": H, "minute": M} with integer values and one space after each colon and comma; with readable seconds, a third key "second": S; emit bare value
{"hour": 12, "minute": 36}
